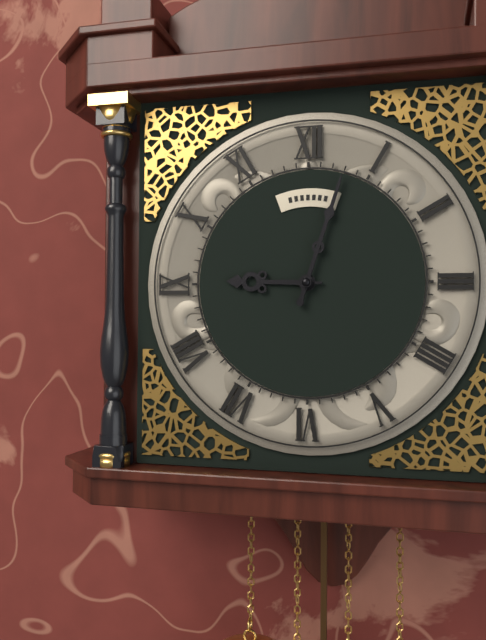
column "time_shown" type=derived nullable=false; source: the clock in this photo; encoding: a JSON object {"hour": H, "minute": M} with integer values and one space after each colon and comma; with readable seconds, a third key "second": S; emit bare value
{"hour": 9, "minute": 3}
